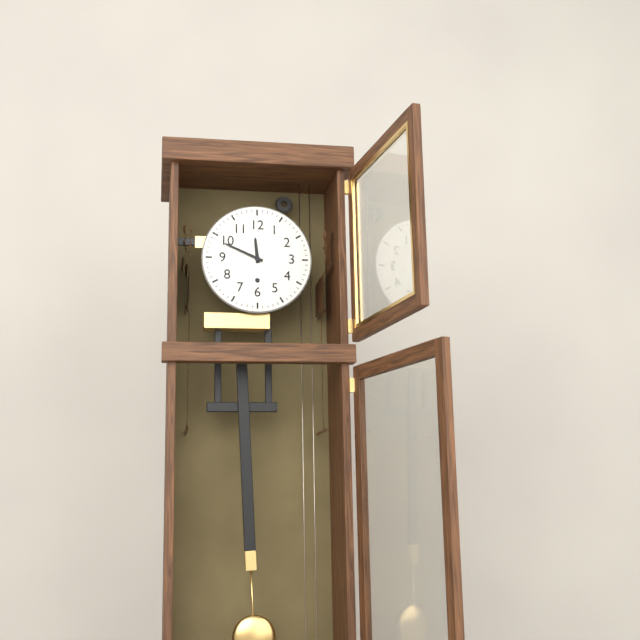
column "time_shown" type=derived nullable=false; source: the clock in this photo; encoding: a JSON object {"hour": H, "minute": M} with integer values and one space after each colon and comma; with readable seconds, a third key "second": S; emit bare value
{"hour": 11, "minute": 49}
